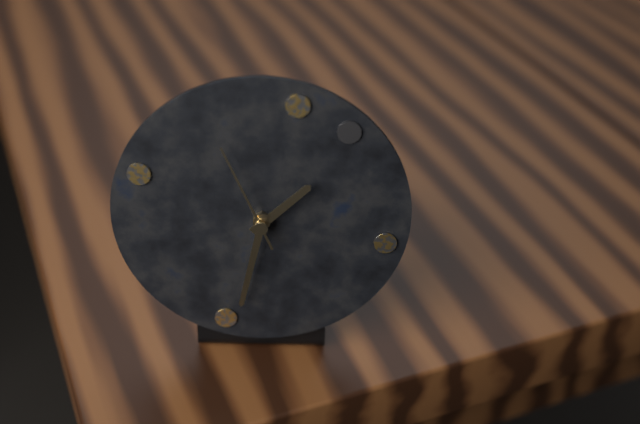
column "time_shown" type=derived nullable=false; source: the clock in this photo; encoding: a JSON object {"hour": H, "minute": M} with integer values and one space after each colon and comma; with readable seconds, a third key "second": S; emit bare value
{"hour": 1, "minute": 32, "second": 56}
